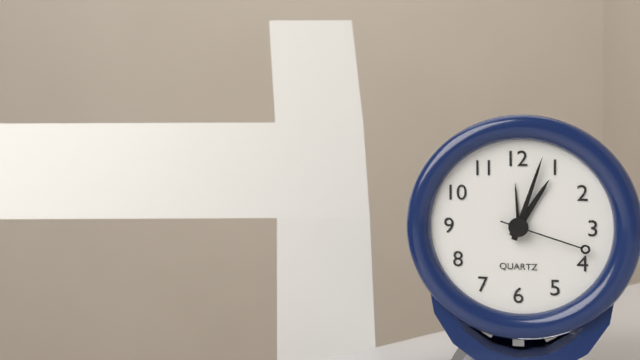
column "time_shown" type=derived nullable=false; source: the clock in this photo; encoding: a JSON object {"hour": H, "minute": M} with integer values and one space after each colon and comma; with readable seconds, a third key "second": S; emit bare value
{"hour": 1, "minute": 3, "second": 18}
